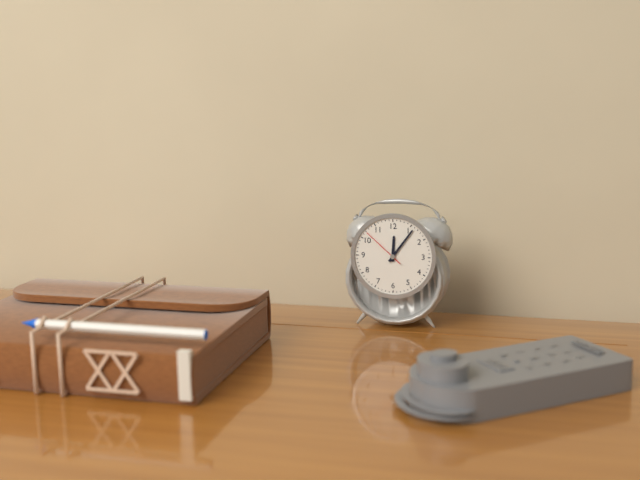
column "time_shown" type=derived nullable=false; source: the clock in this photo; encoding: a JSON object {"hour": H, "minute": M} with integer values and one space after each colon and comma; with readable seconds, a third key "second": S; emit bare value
{"hour": 12, "minute": 6}
